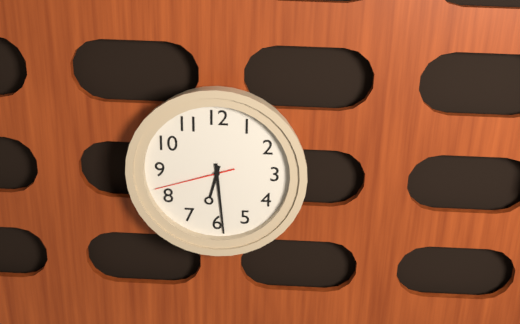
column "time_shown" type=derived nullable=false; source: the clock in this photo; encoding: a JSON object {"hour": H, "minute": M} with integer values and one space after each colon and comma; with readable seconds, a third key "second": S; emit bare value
{"hour": 6, "minute": 29, "second": 42}
